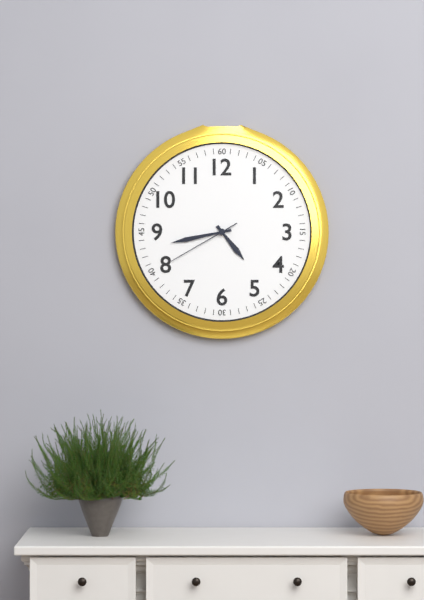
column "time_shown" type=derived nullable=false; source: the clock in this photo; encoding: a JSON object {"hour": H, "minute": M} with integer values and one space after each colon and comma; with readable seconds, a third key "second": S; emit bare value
{"hour": 4, "minute": 43, "second": 40}
